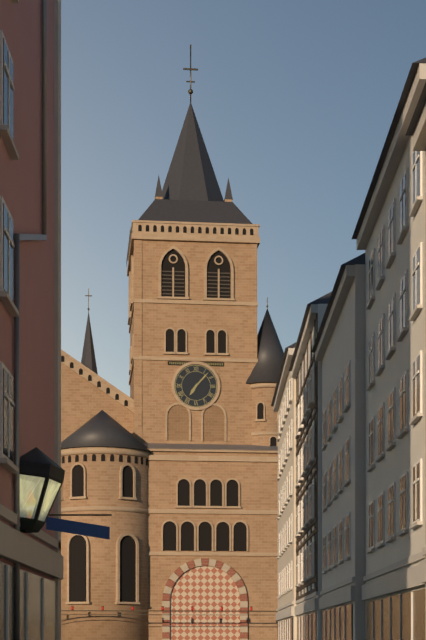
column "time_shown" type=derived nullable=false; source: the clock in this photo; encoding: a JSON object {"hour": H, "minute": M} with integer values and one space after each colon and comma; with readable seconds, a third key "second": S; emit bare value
{"hour": 7, "minute": 7}
